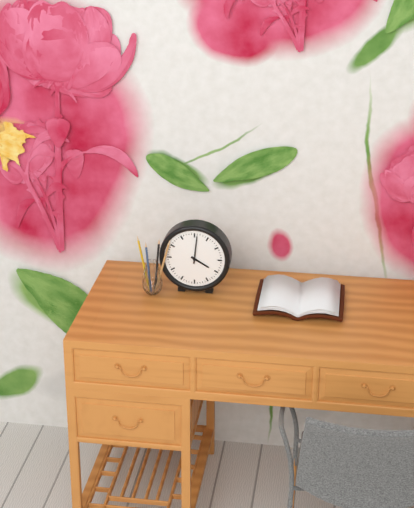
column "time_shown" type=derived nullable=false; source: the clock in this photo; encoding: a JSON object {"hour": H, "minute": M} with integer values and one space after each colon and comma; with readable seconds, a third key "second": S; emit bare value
{"hour": 4, "minute": 1}
